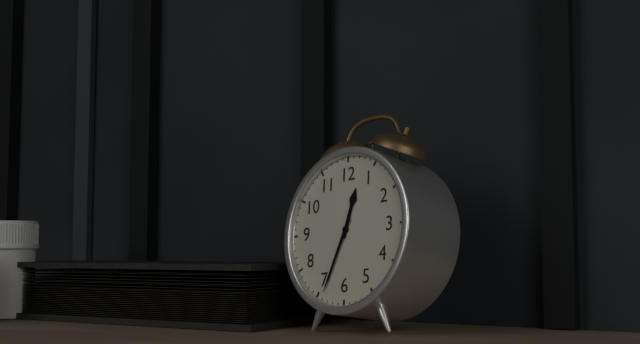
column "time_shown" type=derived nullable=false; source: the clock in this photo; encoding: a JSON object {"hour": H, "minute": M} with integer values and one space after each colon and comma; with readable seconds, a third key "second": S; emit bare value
{"hour": 12, "minute": 34}
